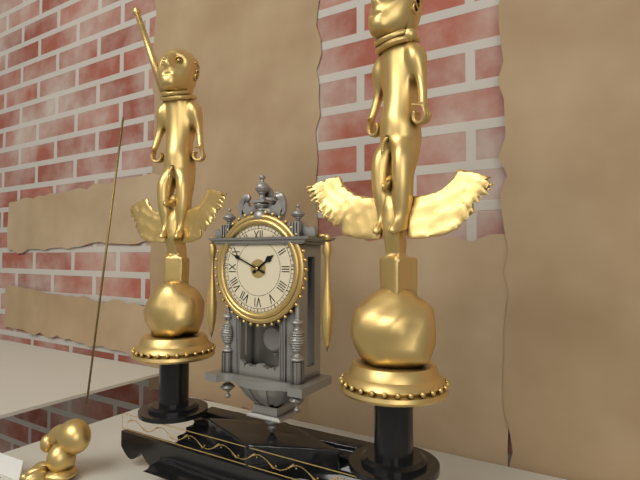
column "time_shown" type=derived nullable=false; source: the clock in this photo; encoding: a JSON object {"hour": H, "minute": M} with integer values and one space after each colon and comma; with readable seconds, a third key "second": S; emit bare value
{"hour": 1, "minute": 49}
